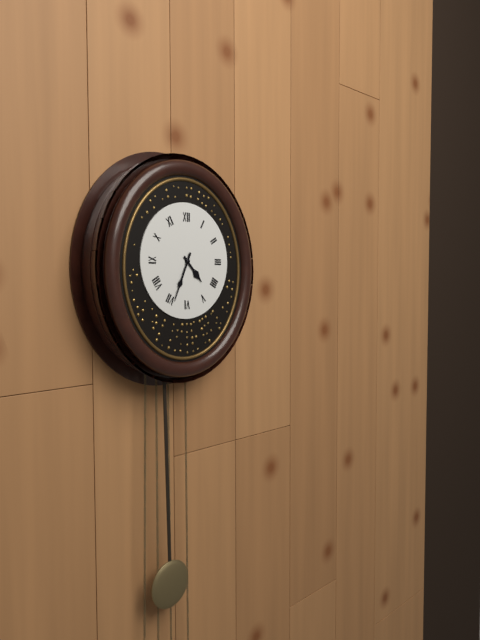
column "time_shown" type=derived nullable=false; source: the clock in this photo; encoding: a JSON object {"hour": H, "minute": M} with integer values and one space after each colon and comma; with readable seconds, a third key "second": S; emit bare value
{"hour": 4, "minute": 34}
